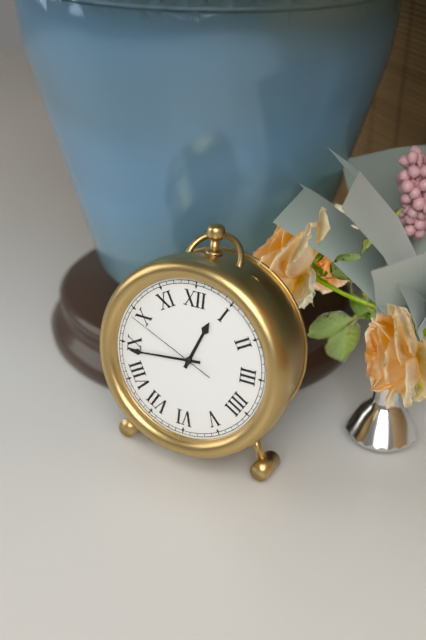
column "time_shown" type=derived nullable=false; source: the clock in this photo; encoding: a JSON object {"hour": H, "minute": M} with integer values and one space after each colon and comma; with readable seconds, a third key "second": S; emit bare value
{"hour": 12, "minute": 44, "second": 49}
